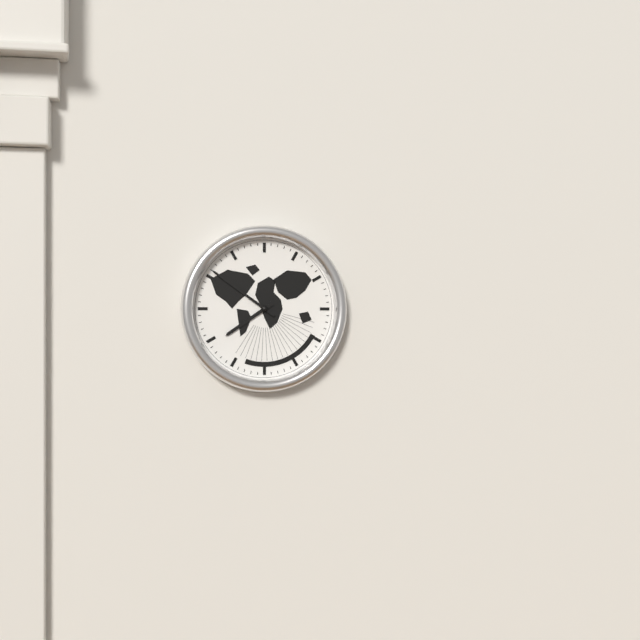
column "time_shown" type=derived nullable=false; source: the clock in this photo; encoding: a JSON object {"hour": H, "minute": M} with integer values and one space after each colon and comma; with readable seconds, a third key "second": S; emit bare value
{"hour": 7, "minute": 51}
